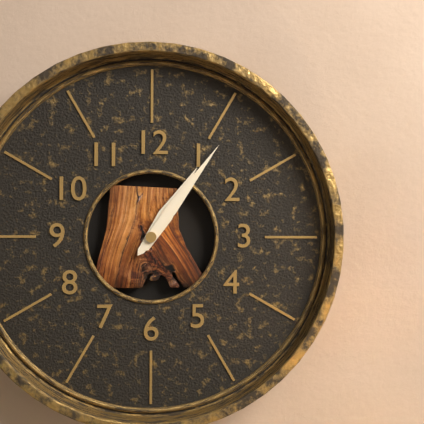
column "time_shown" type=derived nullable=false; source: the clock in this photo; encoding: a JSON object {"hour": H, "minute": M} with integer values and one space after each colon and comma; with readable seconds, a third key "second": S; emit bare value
{"hour": 1, "minute": 6}
